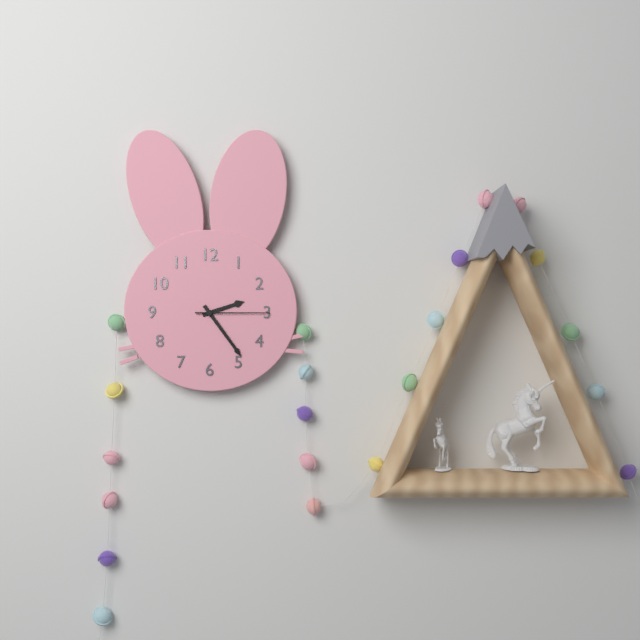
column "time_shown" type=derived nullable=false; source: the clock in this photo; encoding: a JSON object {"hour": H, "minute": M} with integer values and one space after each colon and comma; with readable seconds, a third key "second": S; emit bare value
{"hour": 2, "minute": 24, "second": 15}
